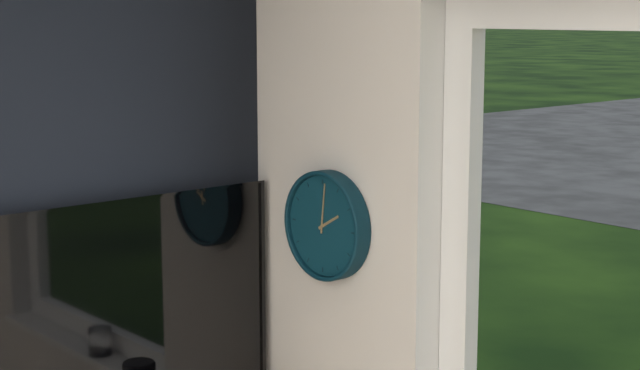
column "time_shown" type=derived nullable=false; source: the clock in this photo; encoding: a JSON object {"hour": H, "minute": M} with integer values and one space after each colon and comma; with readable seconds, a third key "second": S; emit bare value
{"hour": 2, "minute": 1}
